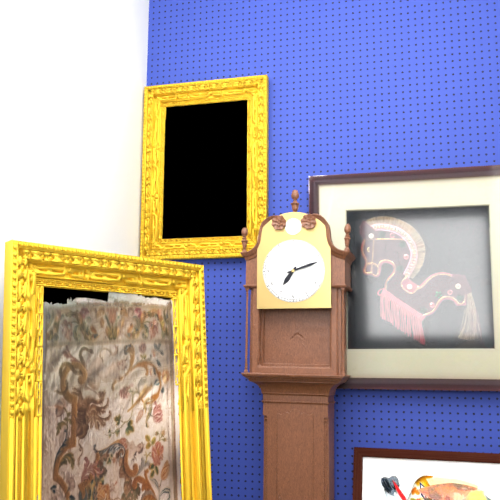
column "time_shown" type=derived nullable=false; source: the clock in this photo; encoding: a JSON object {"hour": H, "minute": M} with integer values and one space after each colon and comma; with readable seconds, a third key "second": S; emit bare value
{"hour": 7, "minute": 12}
